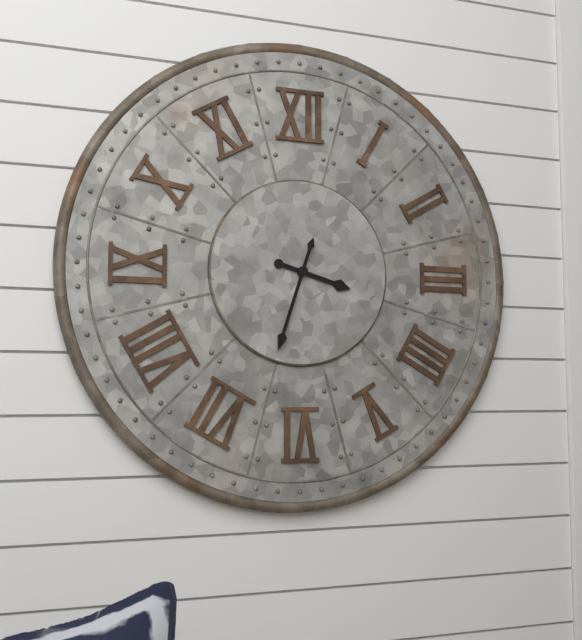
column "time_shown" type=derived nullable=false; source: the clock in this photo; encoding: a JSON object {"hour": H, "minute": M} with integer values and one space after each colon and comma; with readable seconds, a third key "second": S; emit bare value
{"hour": 3, "minute": 33}
